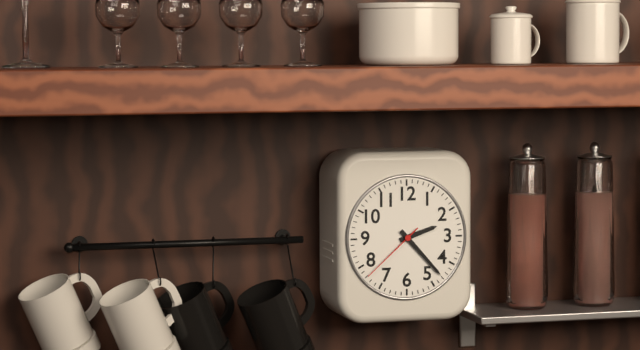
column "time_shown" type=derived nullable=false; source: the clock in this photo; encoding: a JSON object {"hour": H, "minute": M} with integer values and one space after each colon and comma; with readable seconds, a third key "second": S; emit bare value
{"hour": 2, "minute": 23, "second": 38}
